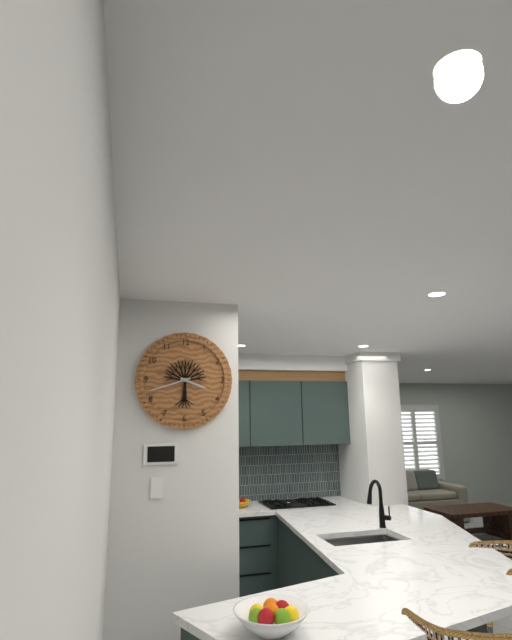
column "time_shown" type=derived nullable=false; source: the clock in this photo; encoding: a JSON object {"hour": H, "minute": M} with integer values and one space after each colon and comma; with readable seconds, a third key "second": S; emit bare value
{"hour": 3, "minute": 42}
